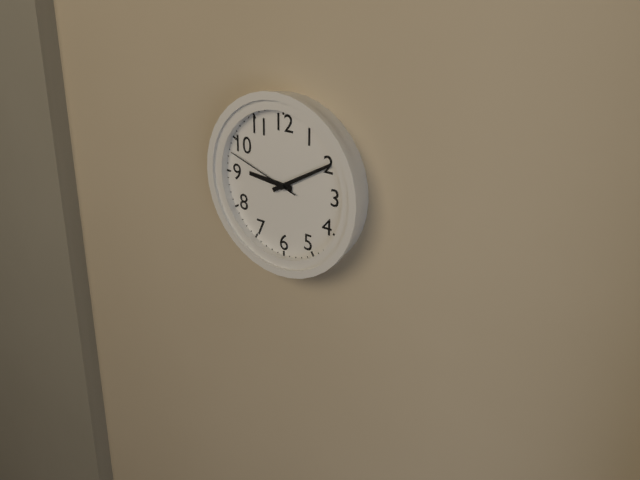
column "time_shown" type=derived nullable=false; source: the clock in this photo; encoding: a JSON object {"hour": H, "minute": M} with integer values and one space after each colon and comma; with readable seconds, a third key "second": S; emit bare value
{"hour": 9, "minute": 10, "second": 48}
